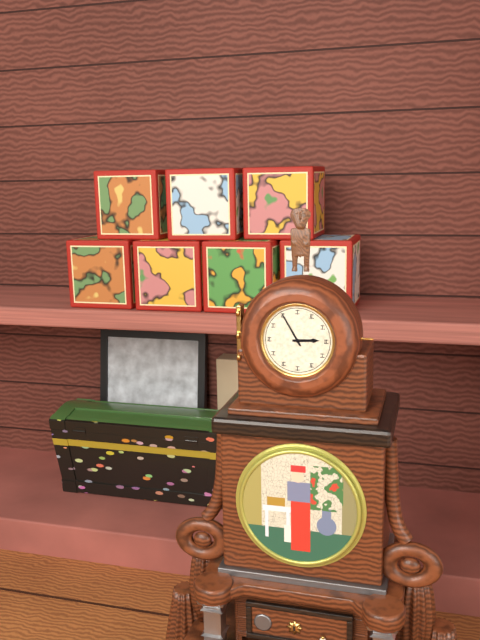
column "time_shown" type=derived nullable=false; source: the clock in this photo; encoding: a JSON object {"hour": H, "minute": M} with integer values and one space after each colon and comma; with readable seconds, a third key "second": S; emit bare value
{"hour": 2, "minute": 55}
